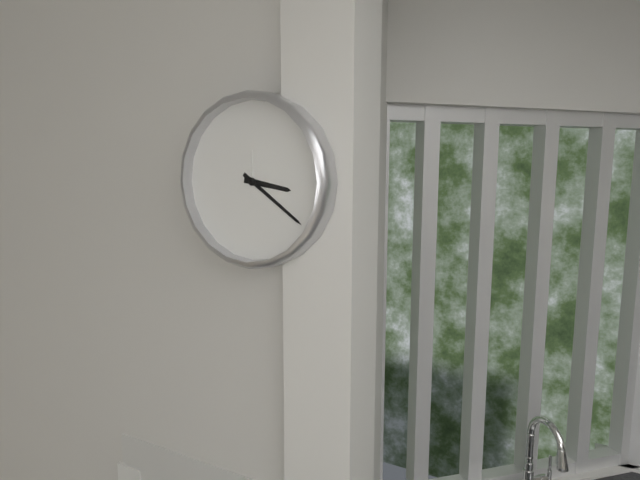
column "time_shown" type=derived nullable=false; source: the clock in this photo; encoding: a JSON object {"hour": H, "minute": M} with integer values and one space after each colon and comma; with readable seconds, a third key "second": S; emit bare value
{"hour": 3, "minute": 21}
